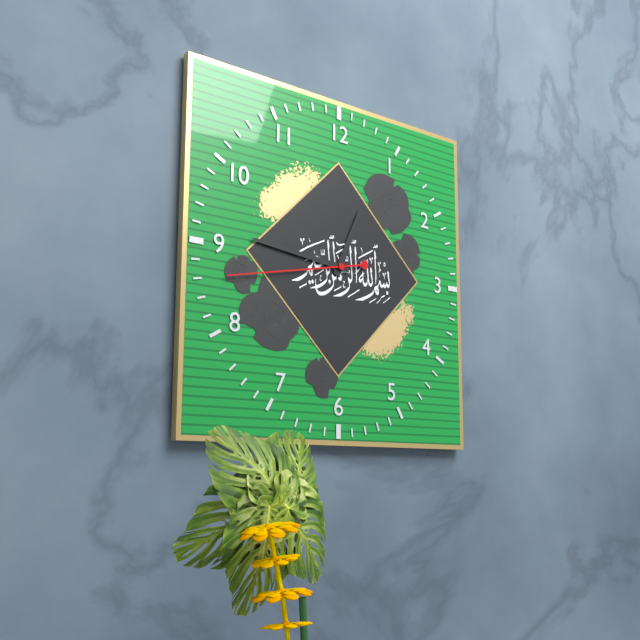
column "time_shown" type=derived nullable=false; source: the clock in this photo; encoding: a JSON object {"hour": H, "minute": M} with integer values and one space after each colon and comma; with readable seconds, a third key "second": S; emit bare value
{"hour": 12, "minute": 46, "second": 43}
